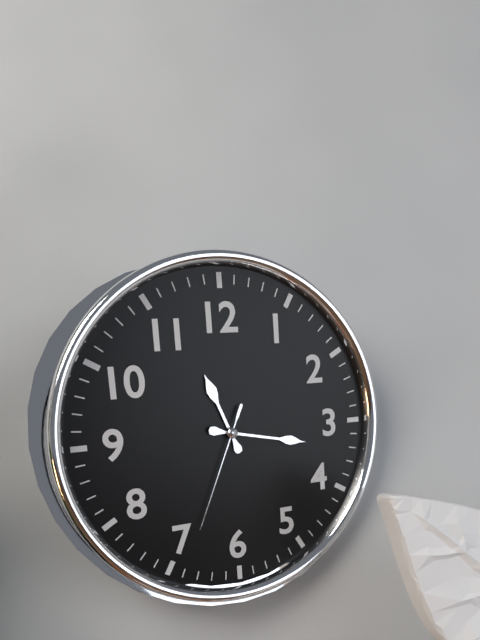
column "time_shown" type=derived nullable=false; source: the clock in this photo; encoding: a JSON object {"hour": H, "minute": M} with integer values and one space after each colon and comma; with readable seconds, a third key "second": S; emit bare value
{"hour": 11, "minute": 17, "second": 34}
